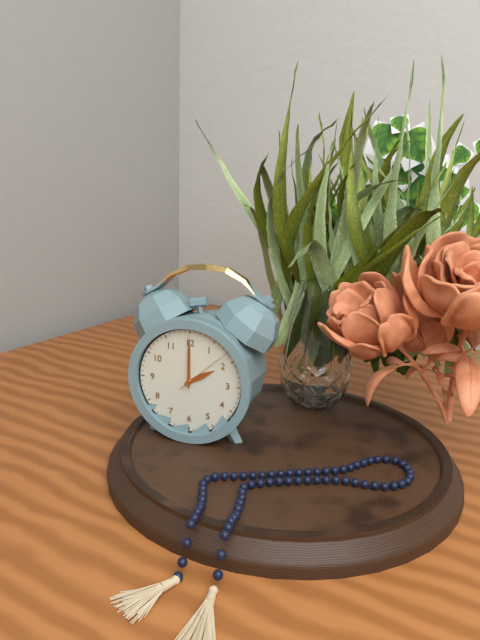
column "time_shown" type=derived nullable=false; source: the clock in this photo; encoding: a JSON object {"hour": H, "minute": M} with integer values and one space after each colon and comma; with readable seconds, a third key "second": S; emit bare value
{"hour": 2, "minute": 0, "second": 8}
